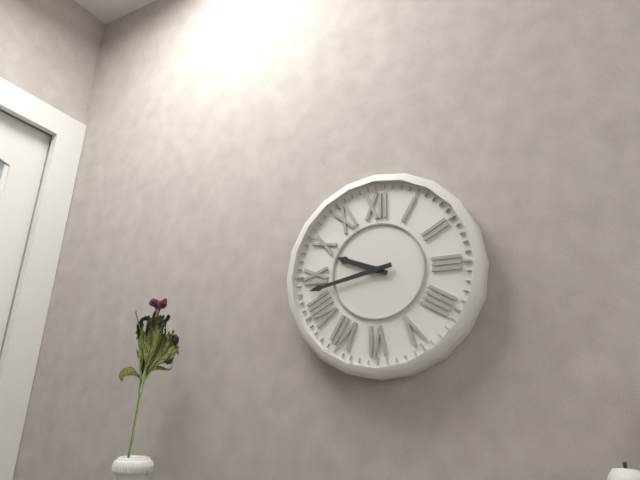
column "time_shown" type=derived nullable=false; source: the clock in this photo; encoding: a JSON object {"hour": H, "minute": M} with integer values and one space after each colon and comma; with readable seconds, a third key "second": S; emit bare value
{"hour": 9, "minute": 43}
